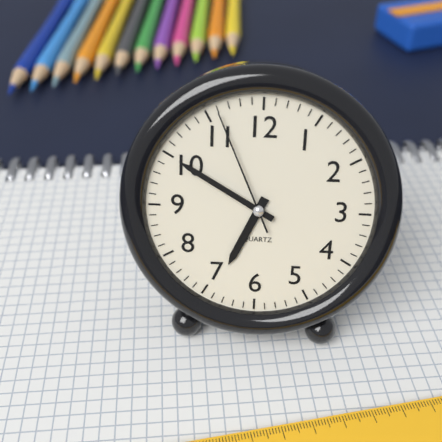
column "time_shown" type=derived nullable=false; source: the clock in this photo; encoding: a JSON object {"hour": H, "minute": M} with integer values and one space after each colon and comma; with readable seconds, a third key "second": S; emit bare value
{"hour": 6, "minute": 50, "second": 56}
